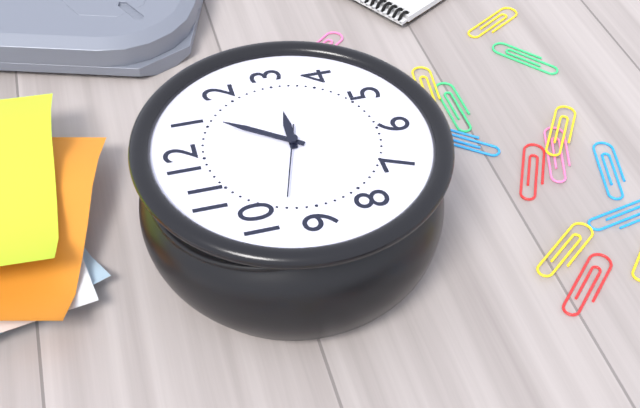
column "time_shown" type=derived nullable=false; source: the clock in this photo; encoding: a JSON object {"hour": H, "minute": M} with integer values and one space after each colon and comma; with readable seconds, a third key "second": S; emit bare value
{"hour": 3, "minute": 6, "second": 48}
